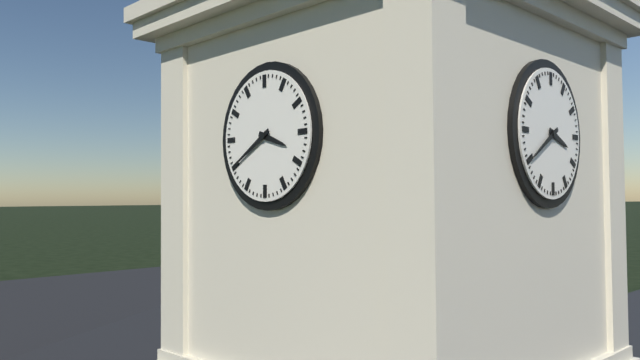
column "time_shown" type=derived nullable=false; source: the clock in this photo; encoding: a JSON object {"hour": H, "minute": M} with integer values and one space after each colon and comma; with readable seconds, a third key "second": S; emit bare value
{"hour": 3, "minute": 40}
